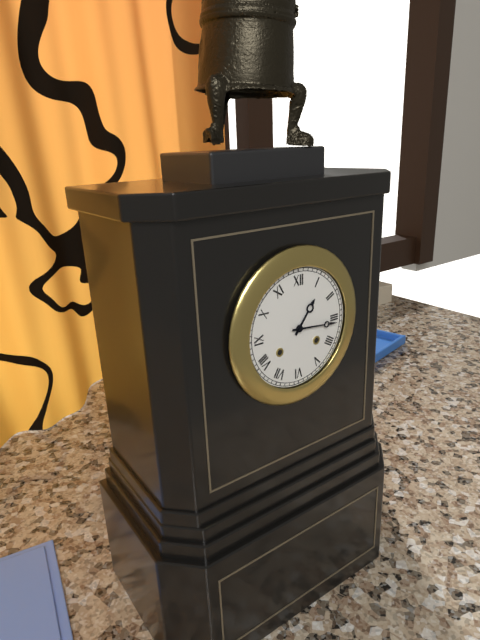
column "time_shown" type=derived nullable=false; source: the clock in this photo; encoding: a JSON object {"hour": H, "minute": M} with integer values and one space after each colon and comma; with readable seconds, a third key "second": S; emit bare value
{"hour": 1, "minute": 16}
